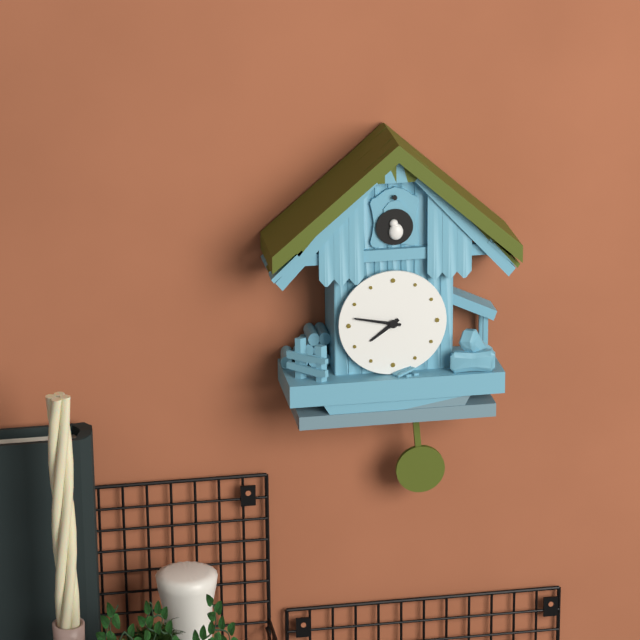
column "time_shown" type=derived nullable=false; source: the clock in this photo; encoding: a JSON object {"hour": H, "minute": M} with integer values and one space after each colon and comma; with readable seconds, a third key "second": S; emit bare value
{"hour": 7, "minute": 47}
